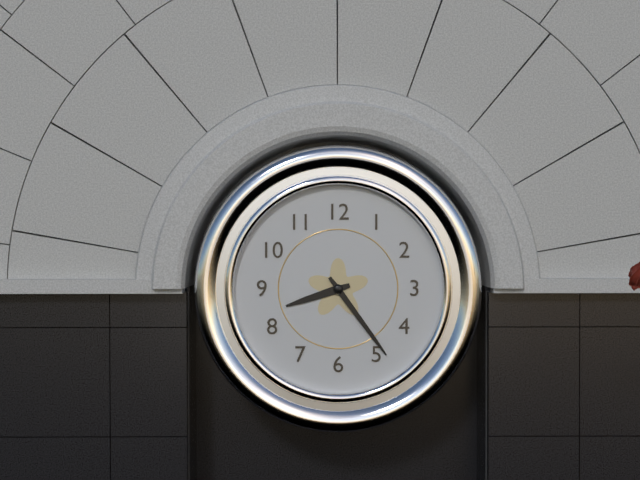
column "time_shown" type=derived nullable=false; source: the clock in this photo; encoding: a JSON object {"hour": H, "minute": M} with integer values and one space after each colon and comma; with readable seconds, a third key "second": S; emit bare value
{"hour": 8, "minute": 24}
